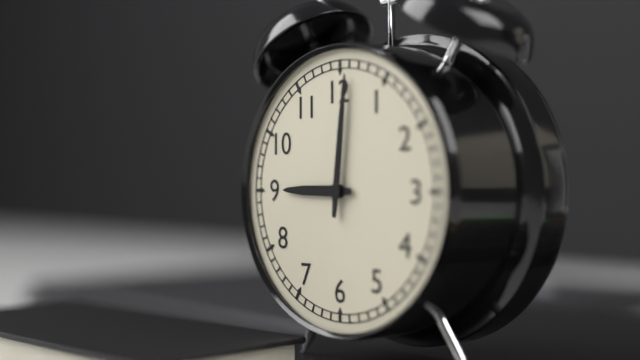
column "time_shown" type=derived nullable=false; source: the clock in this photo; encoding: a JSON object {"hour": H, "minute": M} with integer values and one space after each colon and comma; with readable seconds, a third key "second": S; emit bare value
{"hour": 9, "minute": 1}
